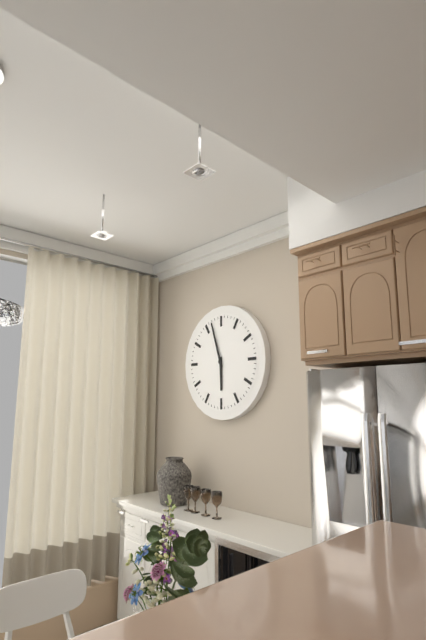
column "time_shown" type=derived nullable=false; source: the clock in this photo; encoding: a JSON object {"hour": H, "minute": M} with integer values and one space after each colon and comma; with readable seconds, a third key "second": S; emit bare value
{"hour": 5, "minute": 57}
